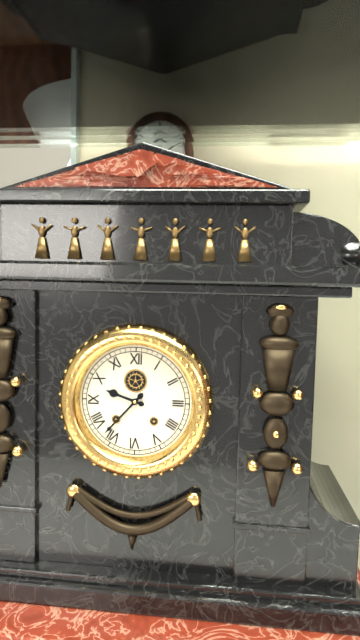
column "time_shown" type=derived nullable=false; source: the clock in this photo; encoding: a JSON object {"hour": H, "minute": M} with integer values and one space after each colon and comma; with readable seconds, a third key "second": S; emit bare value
{"hour": 9, "minute": 37}
